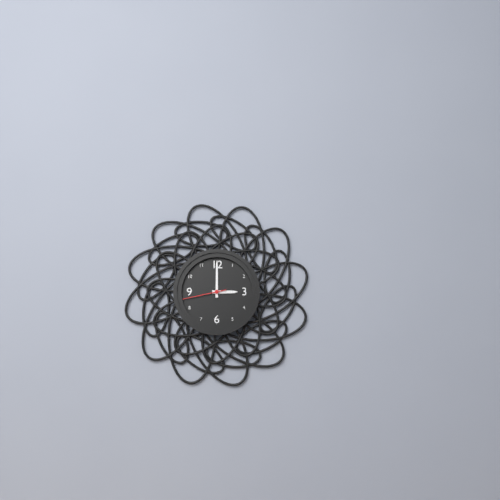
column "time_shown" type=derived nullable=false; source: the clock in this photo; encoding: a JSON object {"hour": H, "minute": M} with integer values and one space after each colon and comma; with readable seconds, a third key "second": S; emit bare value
{"hour": 3, "minute": 0}
